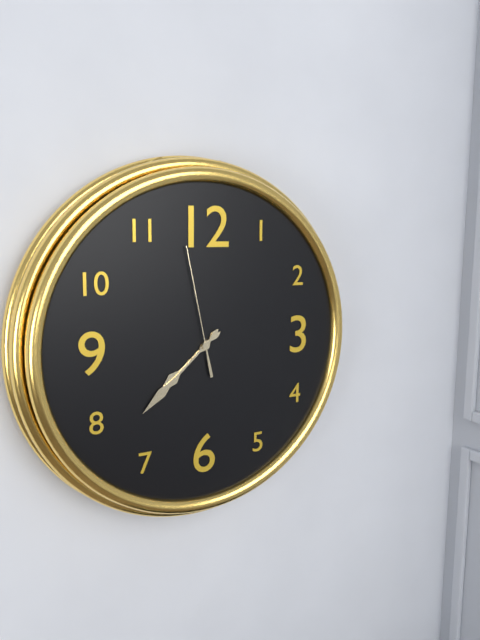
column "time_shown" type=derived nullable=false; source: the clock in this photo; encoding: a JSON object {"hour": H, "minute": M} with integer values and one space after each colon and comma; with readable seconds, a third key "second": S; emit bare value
{"hour": 7, "minute": 38, "second": 58}
